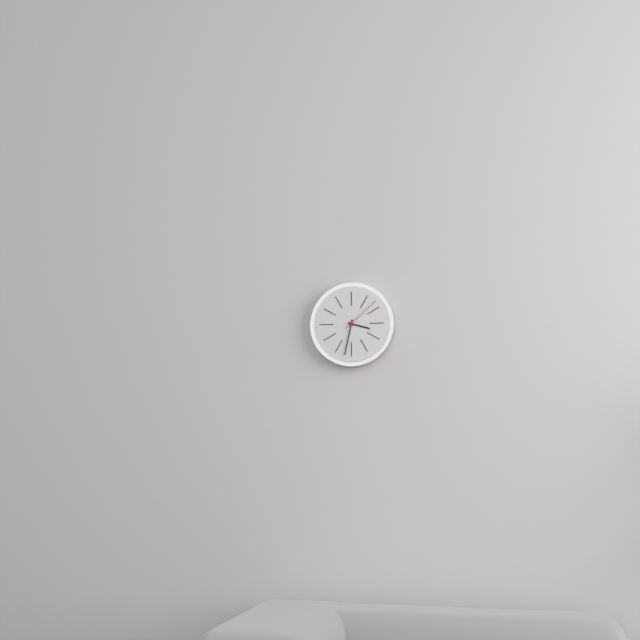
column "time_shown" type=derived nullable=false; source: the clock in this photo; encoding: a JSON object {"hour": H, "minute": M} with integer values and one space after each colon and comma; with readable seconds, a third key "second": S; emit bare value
{"hour": 3, "minute": 32}
